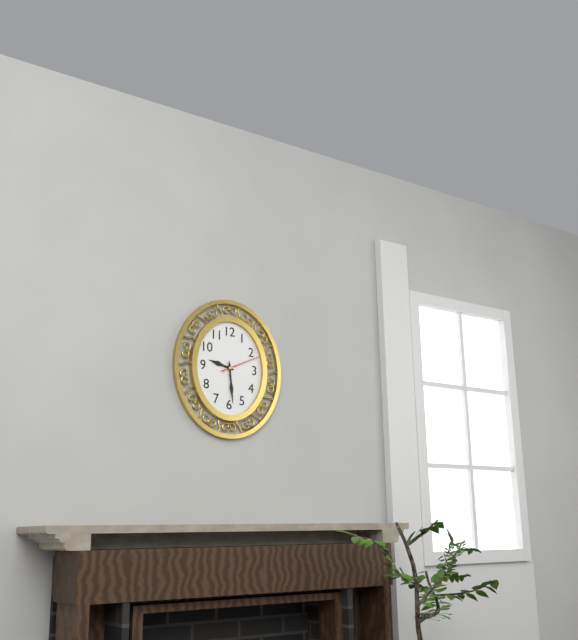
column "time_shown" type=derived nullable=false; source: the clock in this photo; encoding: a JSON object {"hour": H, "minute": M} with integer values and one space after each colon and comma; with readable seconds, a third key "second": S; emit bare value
{"hour": 9, "minute": 29}
